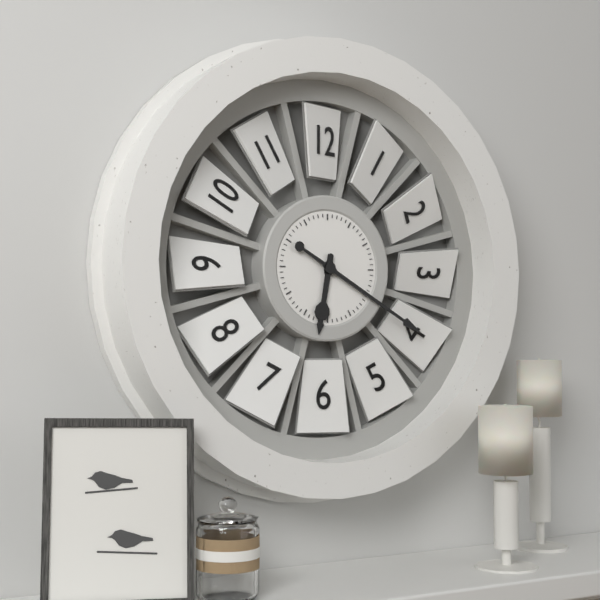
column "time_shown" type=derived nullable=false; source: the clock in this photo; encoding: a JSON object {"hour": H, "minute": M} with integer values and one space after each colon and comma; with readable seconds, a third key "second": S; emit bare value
{"hour": 6, "minute": 20}
